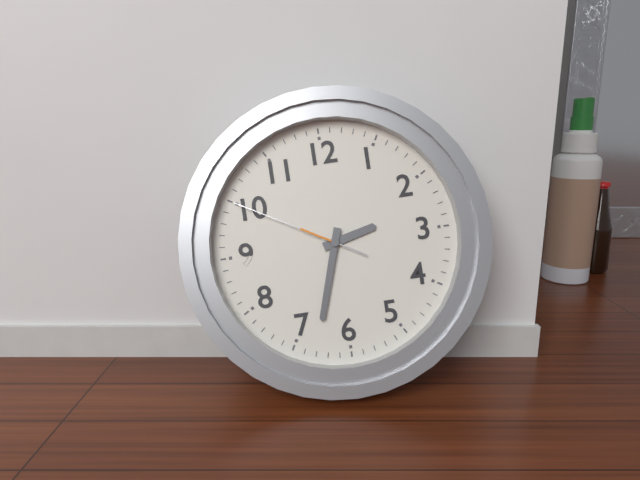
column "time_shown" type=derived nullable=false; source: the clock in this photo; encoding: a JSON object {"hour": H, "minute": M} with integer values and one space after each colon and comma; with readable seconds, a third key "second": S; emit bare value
{"hour": 2, "minute": 33, "second": 50}
